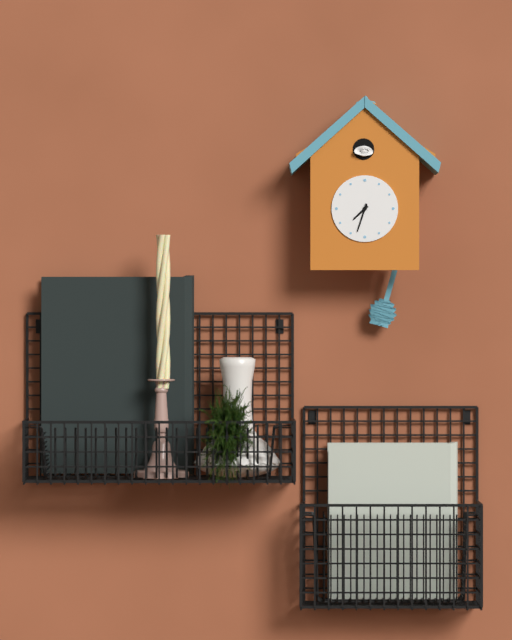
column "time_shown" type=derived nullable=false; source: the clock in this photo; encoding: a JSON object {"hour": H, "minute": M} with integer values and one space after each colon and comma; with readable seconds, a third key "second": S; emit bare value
{"hour": 7, "minute": 33}
